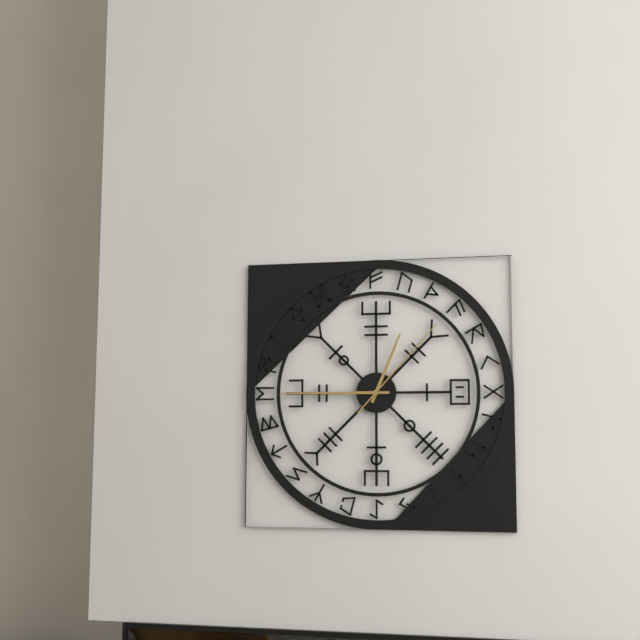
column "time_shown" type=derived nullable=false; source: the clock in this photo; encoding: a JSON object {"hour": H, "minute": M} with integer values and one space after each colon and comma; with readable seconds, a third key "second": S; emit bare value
{"hour": 12, "minute": 45, "second": 7}
